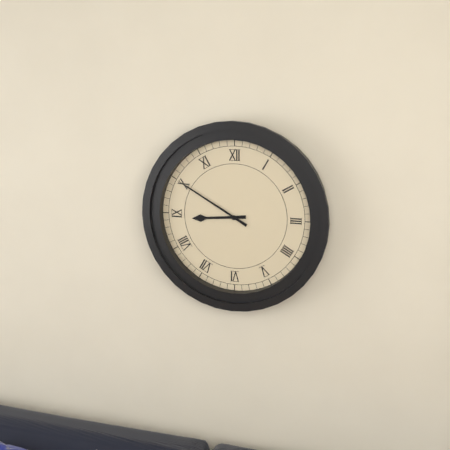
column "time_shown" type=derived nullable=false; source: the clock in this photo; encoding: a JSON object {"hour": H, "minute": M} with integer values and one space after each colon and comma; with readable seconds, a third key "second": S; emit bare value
{"hour": 8, "minute": 50}
